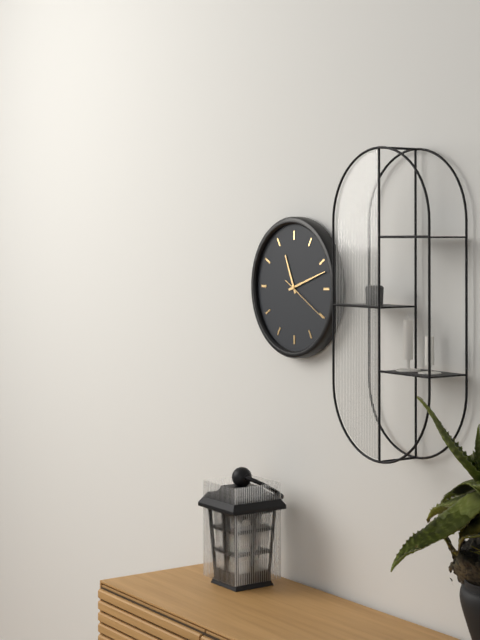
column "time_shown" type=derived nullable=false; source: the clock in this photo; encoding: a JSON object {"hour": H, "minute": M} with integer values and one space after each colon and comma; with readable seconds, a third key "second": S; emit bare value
{"hour": 11, "minute": 12}
